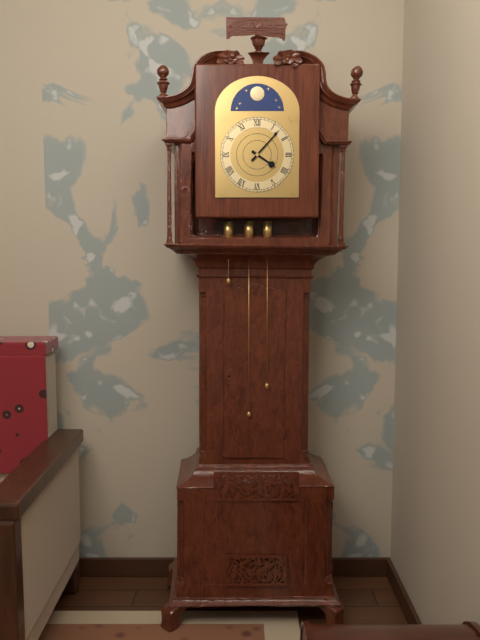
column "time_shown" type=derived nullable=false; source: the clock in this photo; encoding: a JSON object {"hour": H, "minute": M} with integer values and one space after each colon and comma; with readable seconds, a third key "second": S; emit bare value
{"hour": 4, "minute": 7}
